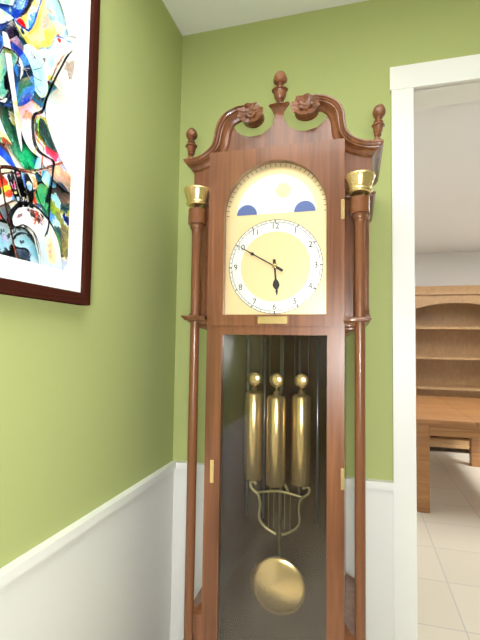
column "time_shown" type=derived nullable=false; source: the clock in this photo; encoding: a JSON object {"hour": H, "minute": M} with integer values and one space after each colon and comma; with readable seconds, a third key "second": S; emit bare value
{"hour": 5, "minute": 50}
